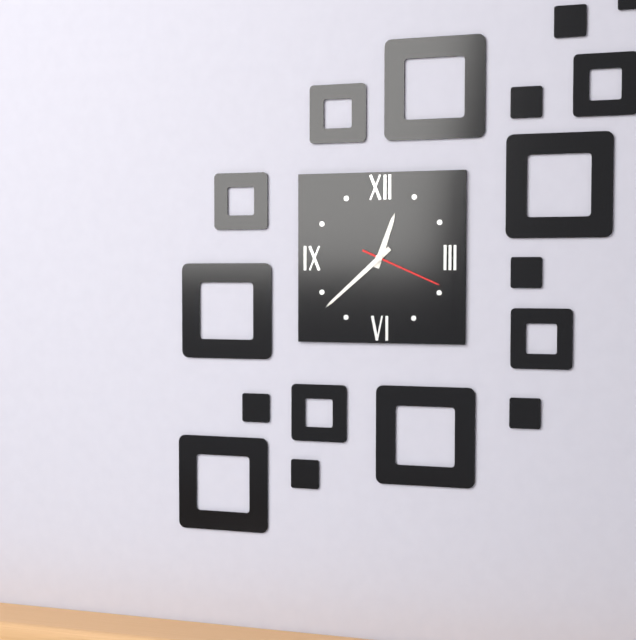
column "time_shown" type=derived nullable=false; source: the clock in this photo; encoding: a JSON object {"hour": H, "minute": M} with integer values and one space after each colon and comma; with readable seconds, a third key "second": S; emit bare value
{"hour": 12, "minute": 38, "second": 19}
